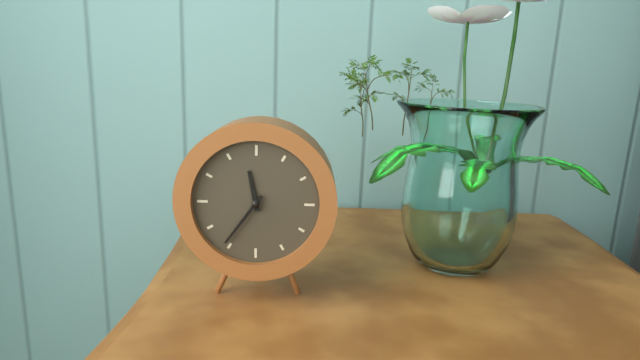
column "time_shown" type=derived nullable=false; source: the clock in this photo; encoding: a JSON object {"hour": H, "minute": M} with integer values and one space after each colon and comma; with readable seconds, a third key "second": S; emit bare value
{"hour": 11, "minute": 36}
